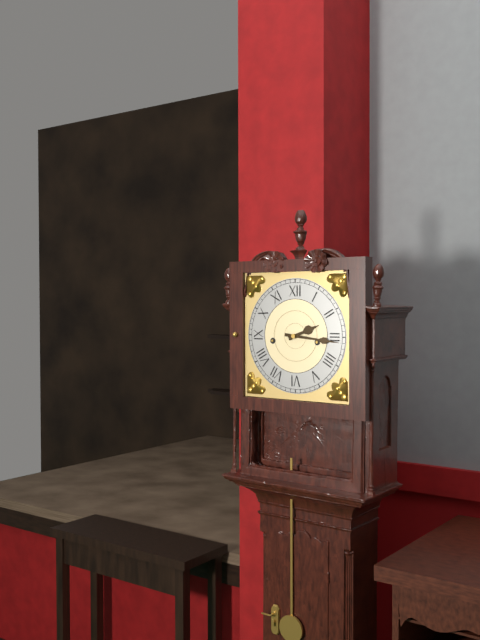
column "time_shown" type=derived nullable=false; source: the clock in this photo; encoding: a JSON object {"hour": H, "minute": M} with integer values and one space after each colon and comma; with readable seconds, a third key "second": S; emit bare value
{"hour": 2, "minute": 16}
